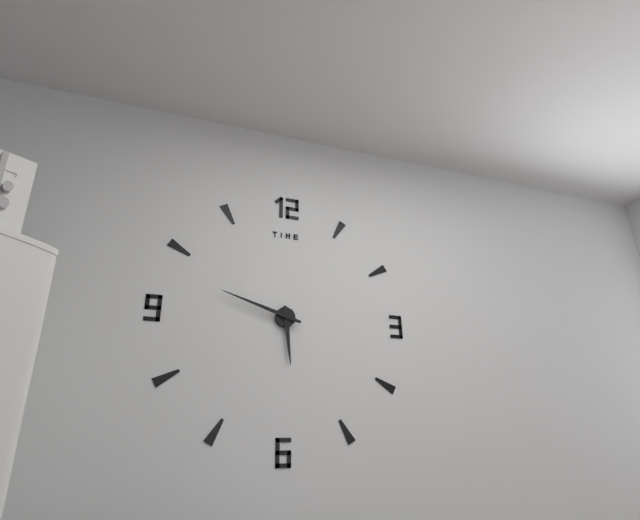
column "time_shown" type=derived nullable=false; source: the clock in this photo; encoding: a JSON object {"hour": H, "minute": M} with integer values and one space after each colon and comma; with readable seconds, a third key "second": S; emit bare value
{"hour": 5, "minute": 48}
